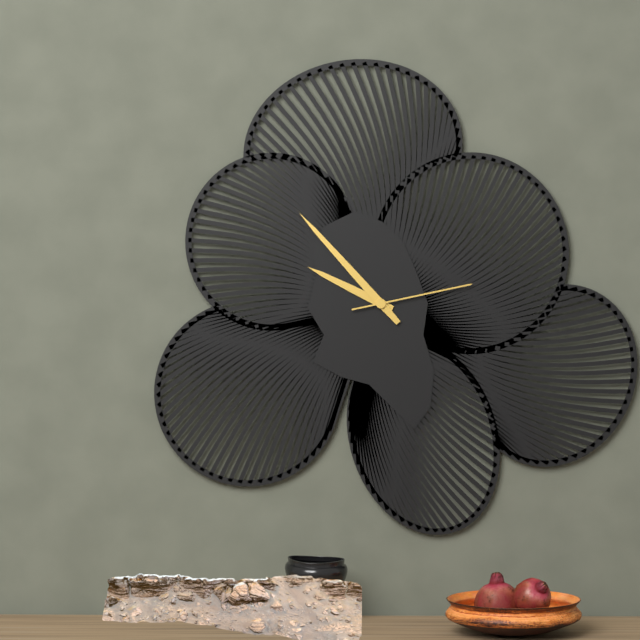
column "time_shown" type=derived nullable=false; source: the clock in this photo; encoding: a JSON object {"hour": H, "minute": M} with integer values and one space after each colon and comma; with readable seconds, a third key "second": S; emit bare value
{"hour": 9, "minute": 53, "second": 13}
